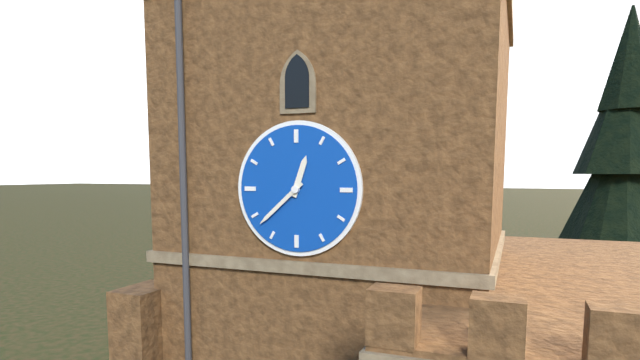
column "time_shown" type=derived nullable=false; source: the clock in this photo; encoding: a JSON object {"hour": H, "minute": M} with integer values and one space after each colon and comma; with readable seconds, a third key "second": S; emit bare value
{"hour": 12, "minute": 38}
